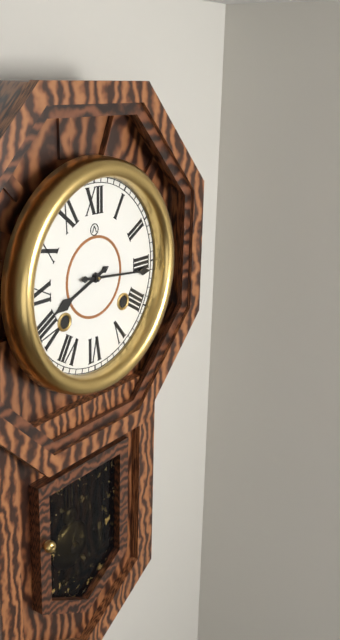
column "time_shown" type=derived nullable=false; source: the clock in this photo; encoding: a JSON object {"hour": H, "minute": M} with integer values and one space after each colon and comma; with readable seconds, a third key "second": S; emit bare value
{"hour": 8, "minute": 16}
